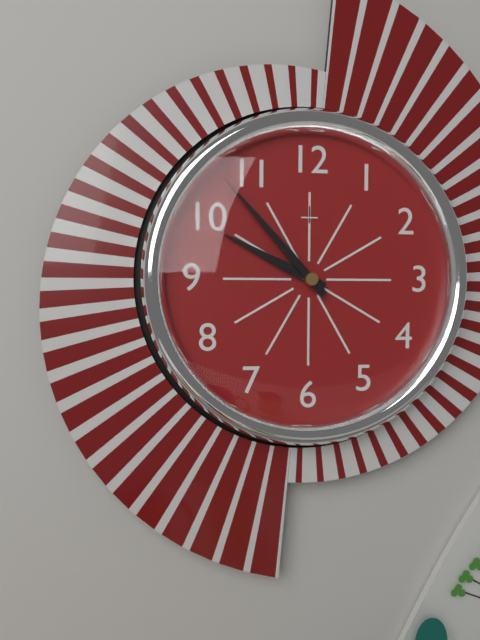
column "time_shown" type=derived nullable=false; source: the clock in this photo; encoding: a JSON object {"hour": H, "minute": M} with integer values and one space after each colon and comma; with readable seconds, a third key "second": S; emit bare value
{"hour": 9, "minute": 53}
